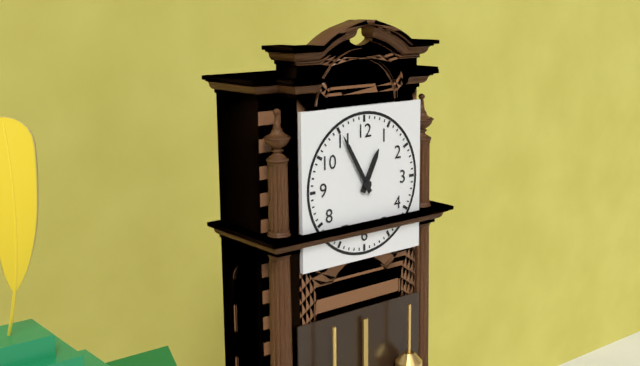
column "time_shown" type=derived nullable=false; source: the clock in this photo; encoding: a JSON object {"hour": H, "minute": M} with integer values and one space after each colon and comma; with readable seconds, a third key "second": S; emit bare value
{"hour": 12, "minute": 55}
